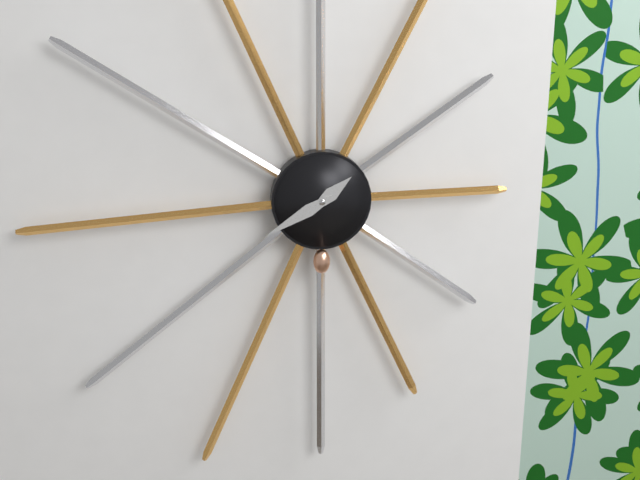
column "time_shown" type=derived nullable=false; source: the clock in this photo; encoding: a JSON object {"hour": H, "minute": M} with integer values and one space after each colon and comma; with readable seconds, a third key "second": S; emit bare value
{"hour": 1, "minute": 40}
